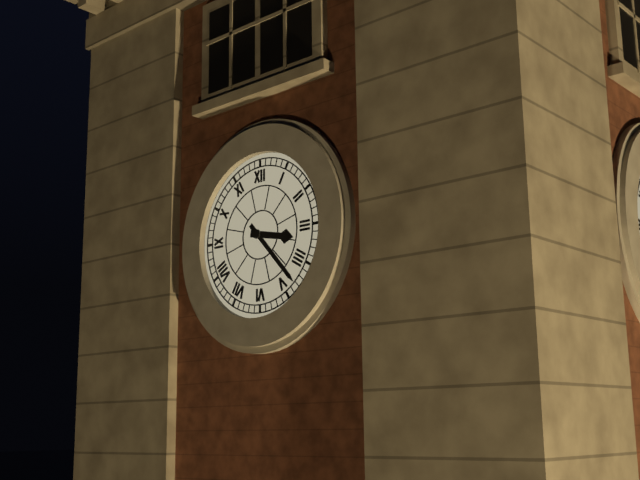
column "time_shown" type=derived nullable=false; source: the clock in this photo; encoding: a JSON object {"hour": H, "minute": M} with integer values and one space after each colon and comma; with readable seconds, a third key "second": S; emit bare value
{"hour": 3, "minute": 23}
